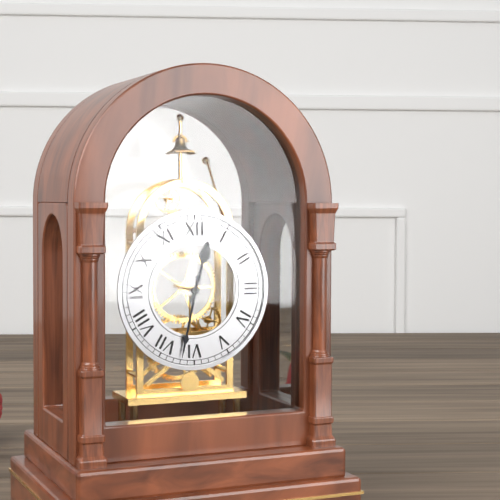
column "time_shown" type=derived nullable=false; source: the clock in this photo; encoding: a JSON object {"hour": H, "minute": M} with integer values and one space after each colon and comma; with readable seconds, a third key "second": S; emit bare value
{"hour": 12, "minute": 32}
